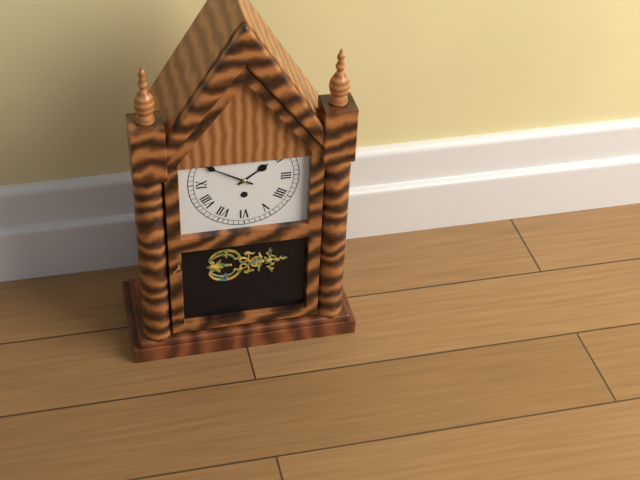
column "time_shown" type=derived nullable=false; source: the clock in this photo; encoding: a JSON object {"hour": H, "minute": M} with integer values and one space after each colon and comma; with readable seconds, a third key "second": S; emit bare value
{"hour": 1, "minute": 50}
